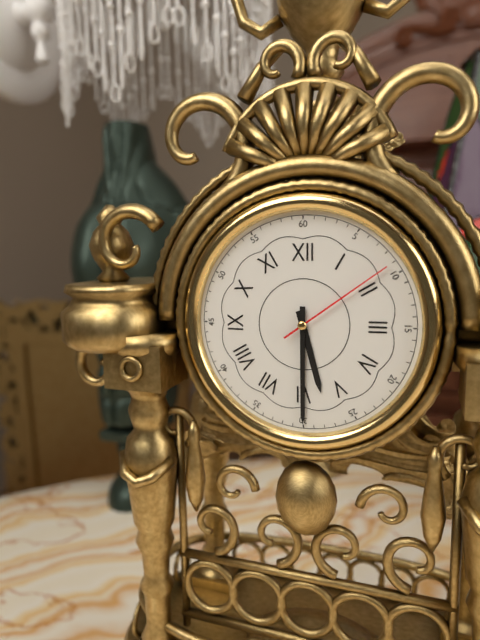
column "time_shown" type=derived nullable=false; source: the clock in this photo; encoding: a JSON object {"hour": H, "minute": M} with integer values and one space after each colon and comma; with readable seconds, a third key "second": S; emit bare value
{"hour": 5, "minute": 30, "second": 9}
